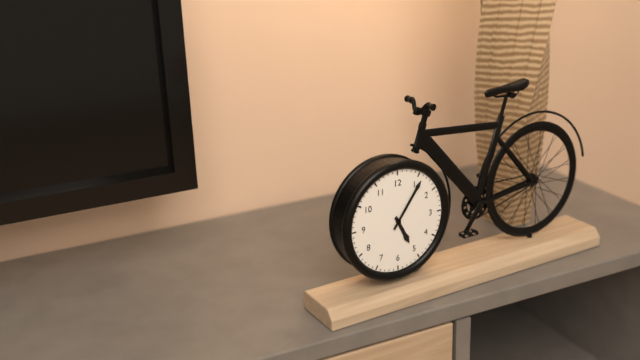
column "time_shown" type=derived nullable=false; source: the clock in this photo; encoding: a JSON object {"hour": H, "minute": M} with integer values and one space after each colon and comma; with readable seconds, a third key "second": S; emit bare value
{"hour": 5, "minute": 6}
